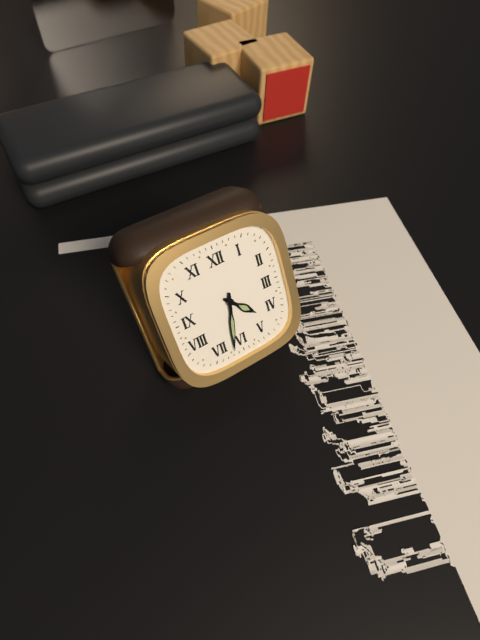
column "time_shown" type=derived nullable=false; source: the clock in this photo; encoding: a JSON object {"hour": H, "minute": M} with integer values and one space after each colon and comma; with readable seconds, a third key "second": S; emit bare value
{"hour": 4, "minute": 32}
